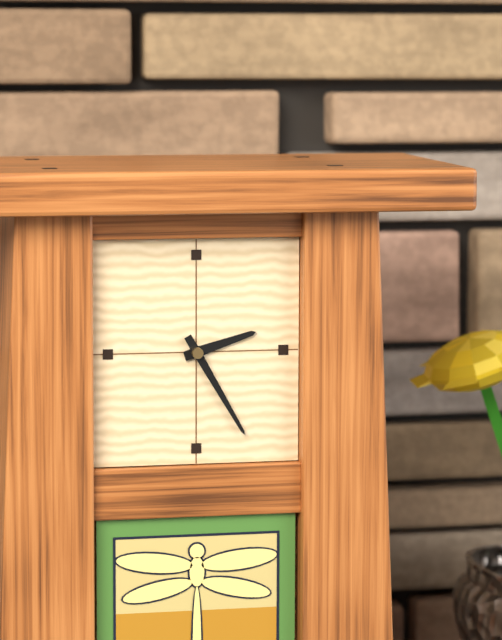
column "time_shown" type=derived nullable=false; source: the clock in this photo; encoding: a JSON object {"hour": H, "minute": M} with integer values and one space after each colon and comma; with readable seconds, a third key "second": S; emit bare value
{"hour": 2, "minute": 25}
